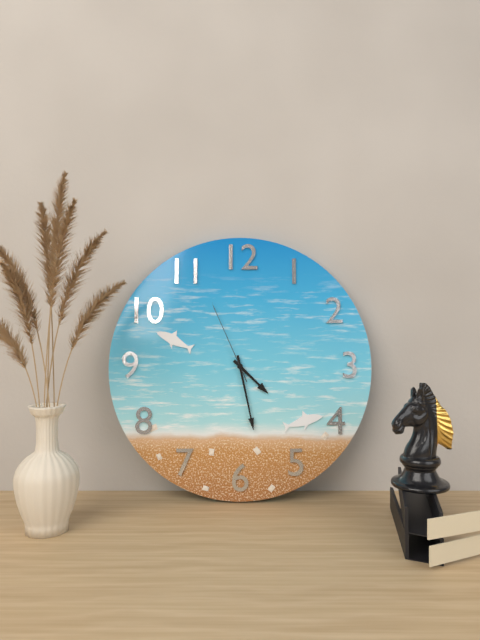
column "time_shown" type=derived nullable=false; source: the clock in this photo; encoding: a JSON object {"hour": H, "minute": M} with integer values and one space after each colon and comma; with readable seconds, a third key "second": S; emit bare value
{"hour": 4, "minute": 28, "second": 56}
